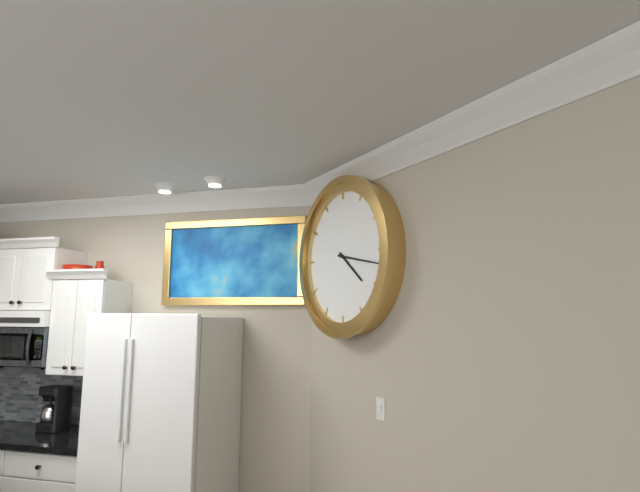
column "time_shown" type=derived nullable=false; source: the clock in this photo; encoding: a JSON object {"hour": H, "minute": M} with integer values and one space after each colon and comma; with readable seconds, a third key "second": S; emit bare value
{"hour": 4, "minute": 17}
